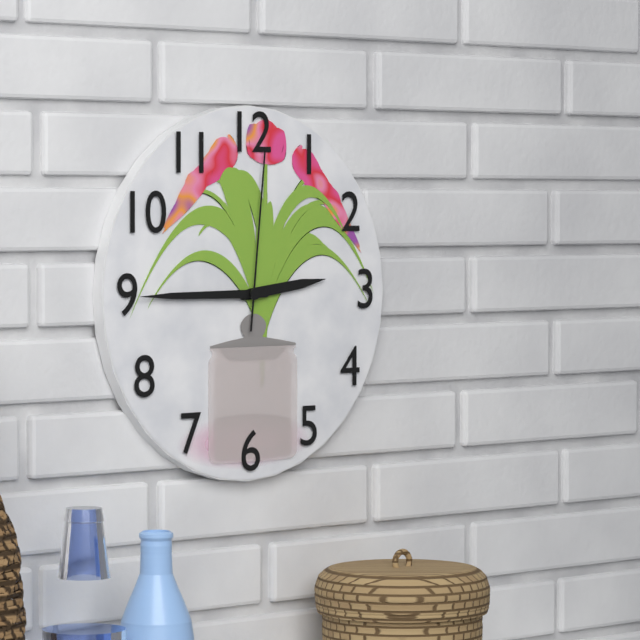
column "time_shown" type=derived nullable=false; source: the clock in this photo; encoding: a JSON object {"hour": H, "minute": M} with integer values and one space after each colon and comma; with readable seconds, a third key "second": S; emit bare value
{"hour": 2, "minute": 45, "second": 1}
